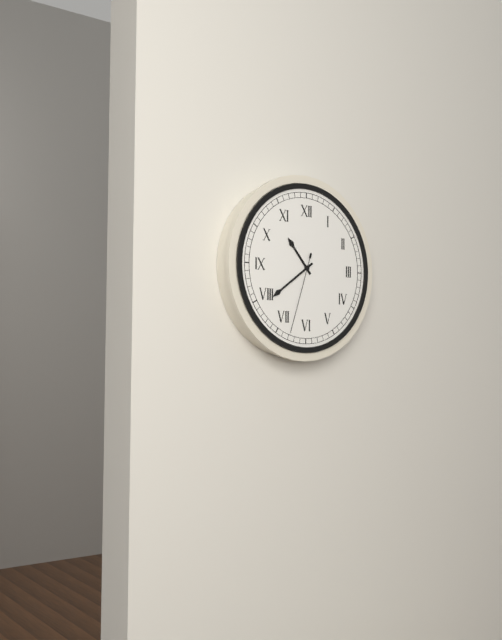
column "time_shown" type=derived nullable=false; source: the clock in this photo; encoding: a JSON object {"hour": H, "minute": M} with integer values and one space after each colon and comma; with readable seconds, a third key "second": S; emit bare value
{"hour": 10, "minute": 39, "second": 33}
